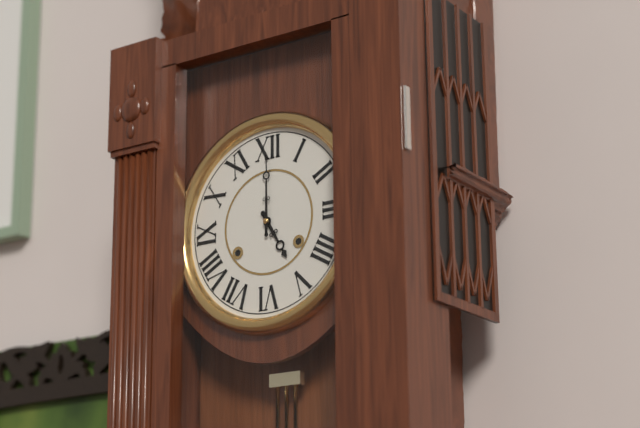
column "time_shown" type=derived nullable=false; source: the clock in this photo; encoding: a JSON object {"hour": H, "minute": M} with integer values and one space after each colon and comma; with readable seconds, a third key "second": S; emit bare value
{"hour": 5, "minute": 0}
